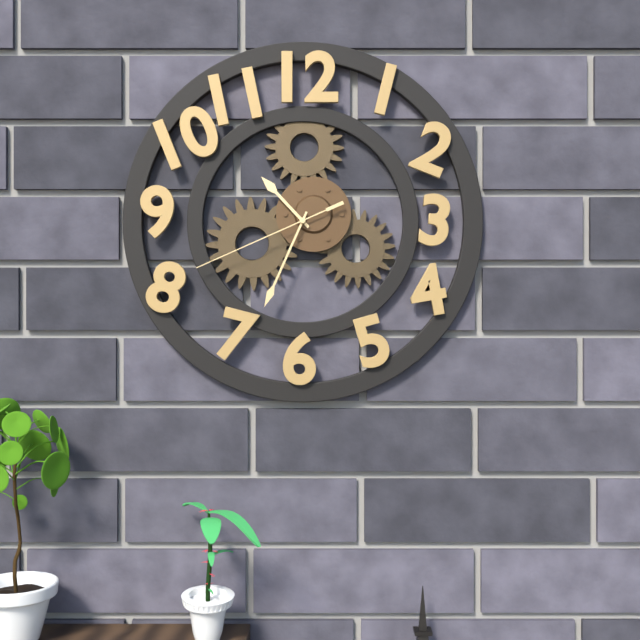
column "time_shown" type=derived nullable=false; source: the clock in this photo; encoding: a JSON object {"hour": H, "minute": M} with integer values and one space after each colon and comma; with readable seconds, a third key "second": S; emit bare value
{"hour": 10, "minute": 34, "second": 41}
